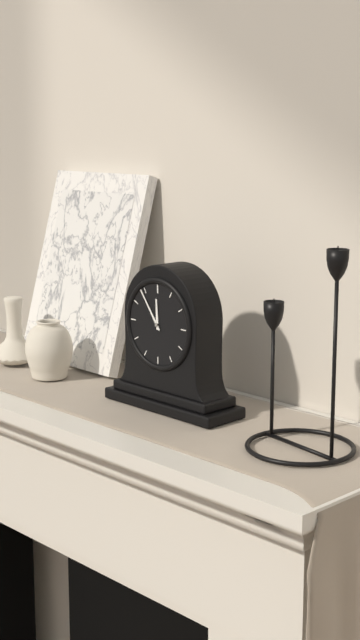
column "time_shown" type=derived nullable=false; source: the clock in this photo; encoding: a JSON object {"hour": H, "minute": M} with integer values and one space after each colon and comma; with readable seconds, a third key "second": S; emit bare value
{"hour": 11, "minute": 54}
